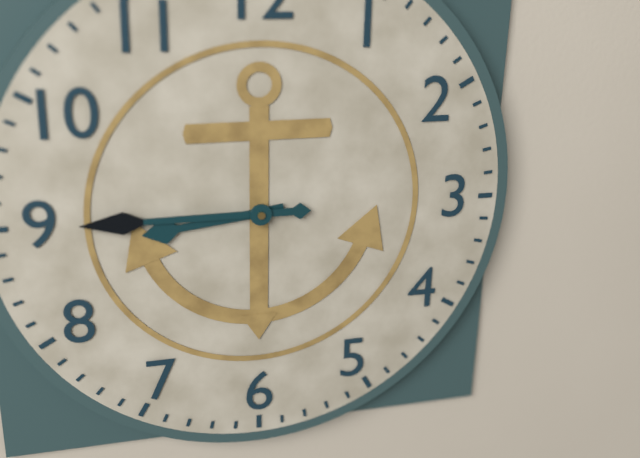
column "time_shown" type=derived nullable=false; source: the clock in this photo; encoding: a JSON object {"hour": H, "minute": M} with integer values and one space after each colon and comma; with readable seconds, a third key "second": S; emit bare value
{"hour": 8, "minute": 45}
